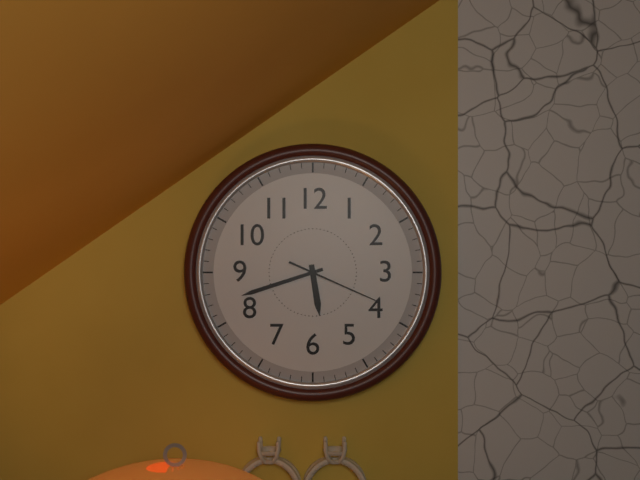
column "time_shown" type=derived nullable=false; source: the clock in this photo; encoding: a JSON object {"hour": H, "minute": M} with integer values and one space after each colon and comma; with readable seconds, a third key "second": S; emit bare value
{"hour": 5, "minute": 42, "second": 19}
